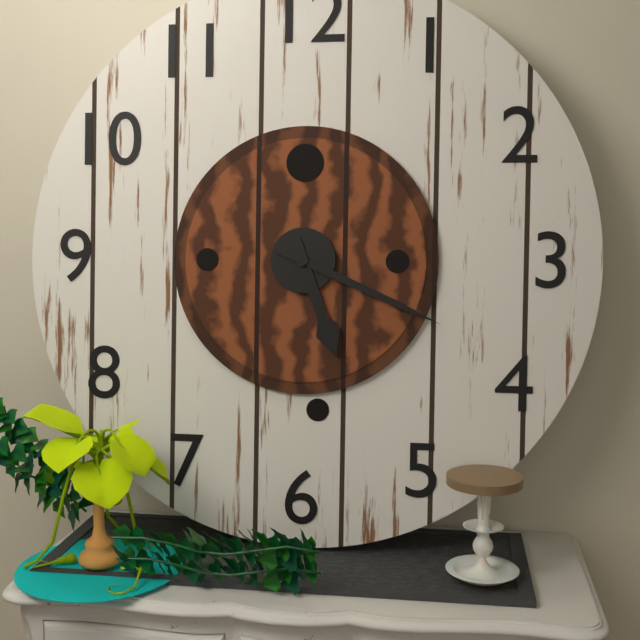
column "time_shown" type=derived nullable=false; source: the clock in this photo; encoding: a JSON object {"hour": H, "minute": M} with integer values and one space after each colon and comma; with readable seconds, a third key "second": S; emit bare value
{"hour": 5, "minute": 19}
